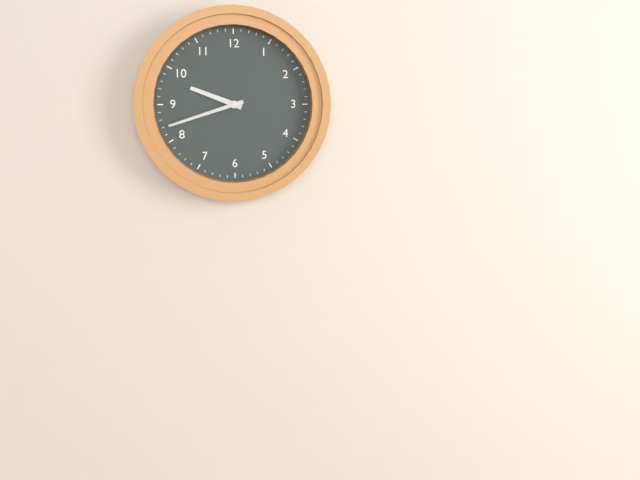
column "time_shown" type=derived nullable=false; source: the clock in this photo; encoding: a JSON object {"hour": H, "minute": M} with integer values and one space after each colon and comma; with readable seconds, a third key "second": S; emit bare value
{"hour": 9, "minute": 42}
